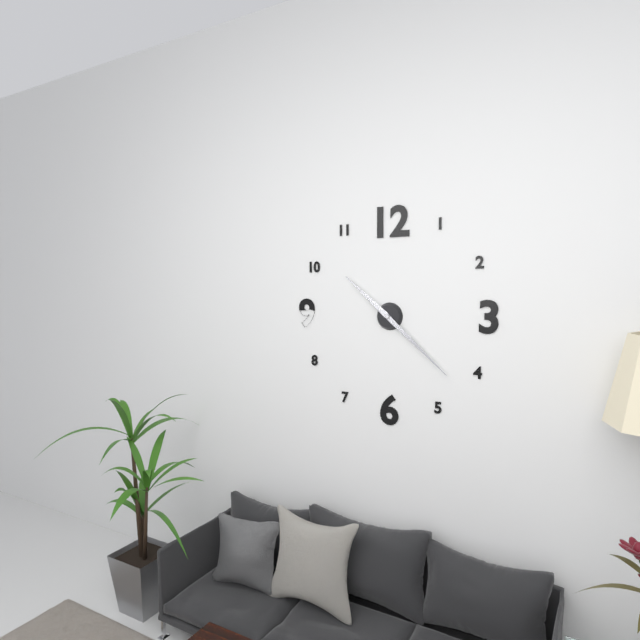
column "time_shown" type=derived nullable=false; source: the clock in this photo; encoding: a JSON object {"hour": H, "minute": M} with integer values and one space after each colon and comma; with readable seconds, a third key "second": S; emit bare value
{"hour": 10, "minute": 22}
